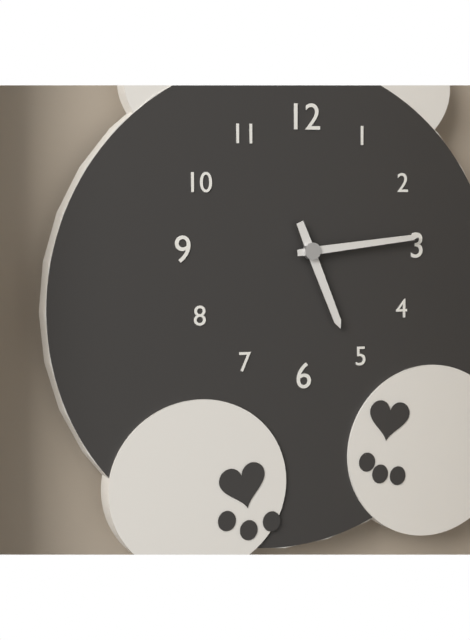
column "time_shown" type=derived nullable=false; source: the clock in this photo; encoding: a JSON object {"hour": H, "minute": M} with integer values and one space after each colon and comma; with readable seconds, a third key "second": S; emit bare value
{"hour": 5, "minute": 14}
